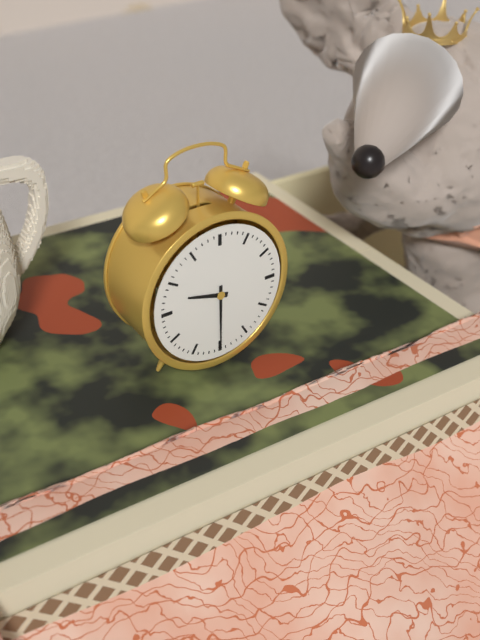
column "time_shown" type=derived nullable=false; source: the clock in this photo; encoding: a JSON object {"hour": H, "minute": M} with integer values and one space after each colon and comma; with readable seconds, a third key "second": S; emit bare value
{"hour": 9, "minute": 30}
